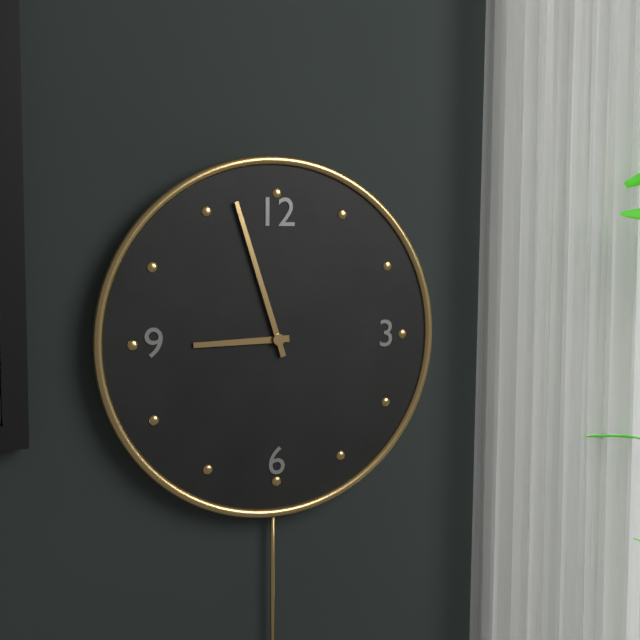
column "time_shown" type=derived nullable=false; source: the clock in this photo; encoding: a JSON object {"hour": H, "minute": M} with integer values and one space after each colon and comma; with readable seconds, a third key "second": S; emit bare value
{"hour": 8, "minute": 57}
